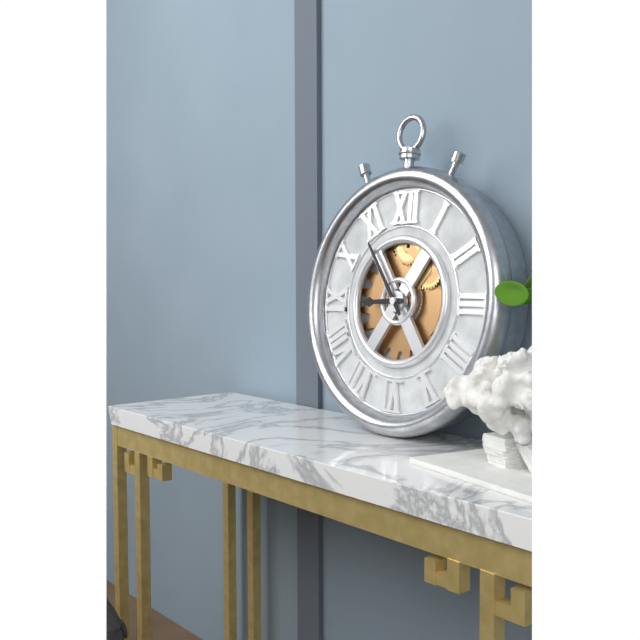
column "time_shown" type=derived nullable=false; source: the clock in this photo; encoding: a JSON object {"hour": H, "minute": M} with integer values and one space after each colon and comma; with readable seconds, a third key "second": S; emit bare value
{"hour": 8, "minute": 54}
